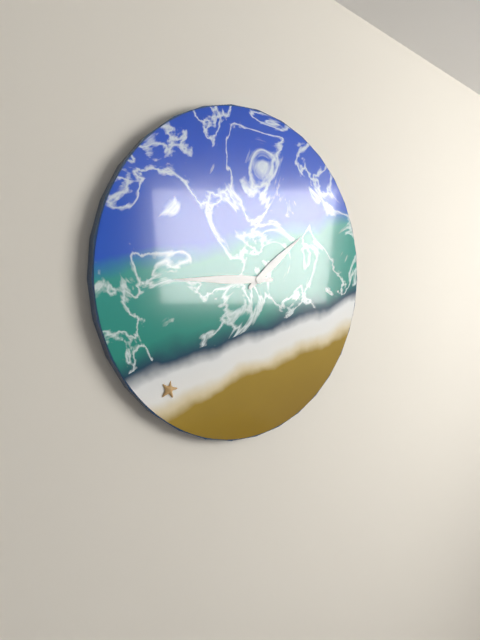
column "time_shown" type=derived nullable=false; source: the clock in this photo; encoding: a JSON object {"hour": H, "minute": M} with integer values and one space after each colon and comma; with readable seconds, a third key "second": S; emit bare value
{"hour": 1, "minute": 45}
